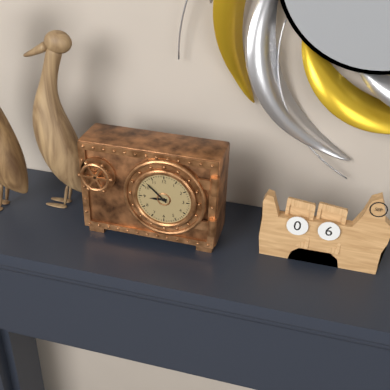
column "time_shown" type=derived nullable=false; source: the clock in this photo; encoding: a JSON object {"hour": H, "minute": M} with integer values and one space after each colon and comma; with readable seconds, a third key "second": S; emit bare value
{"hour": 8, "minute": 52}
